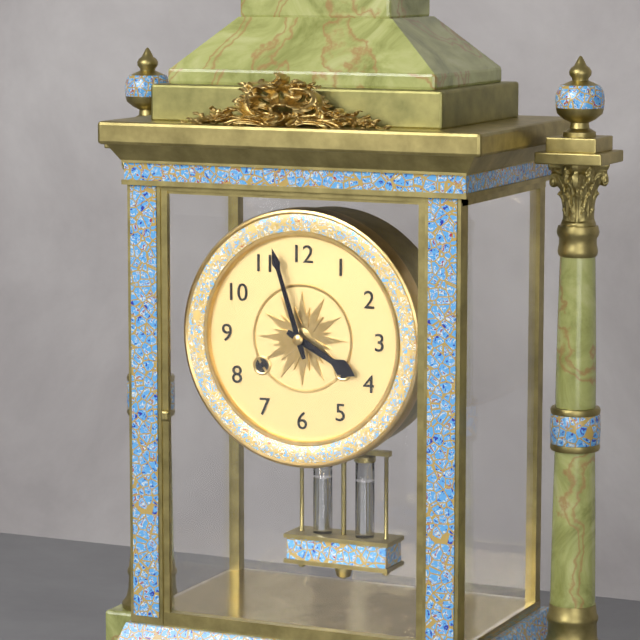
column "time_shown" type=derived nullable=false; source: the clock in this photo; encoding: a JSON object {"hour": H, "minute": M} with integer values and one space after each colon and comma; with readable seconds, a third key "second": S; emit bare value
{"hour": 3, "minute": 57}
